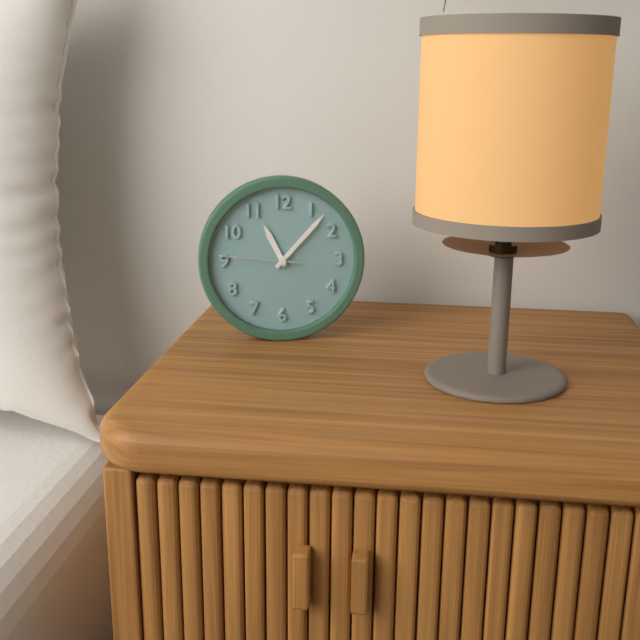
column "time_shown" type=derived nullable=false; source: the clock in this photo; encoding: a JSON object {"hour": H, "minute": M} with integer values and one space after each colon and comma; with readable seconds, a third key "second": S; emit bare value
{"hour": 11, "minute": 7, "second": 46}
